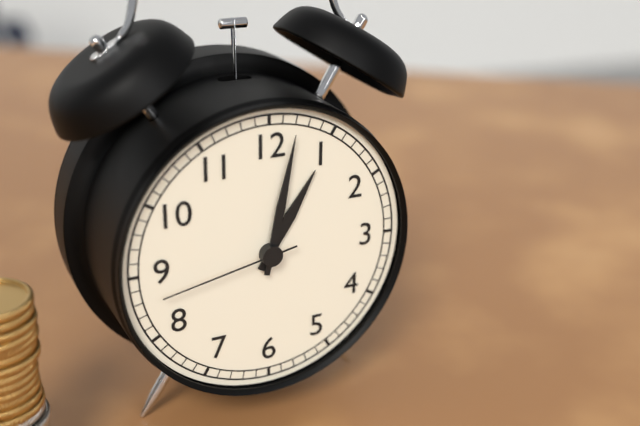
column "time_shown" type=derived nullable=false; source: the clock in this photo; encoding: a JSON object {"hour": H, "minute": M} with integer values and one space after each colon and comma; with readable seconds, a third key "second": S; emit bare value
{"hour": 1, "minute": 2, "second": 43}
